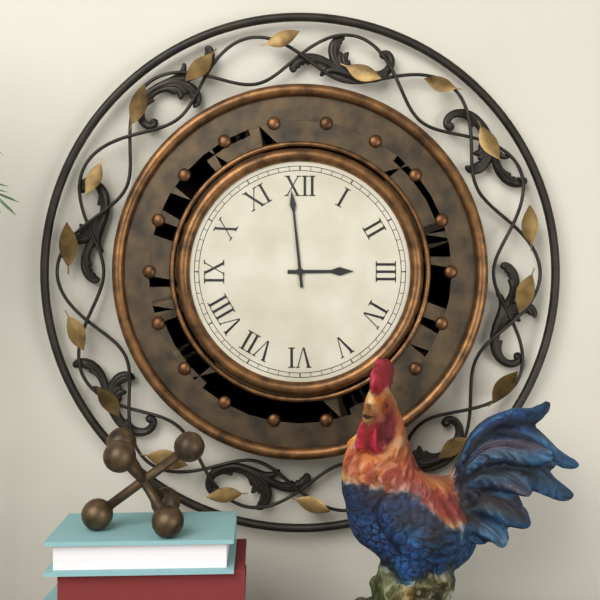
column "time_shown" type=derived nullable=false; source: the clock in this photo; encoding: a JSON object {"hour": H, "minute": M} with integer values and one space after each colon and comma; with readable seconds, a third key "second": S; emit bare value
{"hour": 2, "minute": 59}
